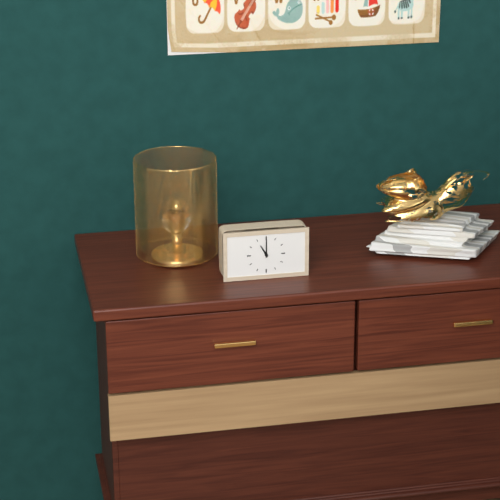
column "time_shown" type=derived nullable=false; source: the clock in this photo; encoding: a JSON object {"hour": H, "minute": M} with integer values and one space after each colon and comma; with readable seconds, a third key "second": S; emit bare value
{"hour": 11, "minute": 0}
